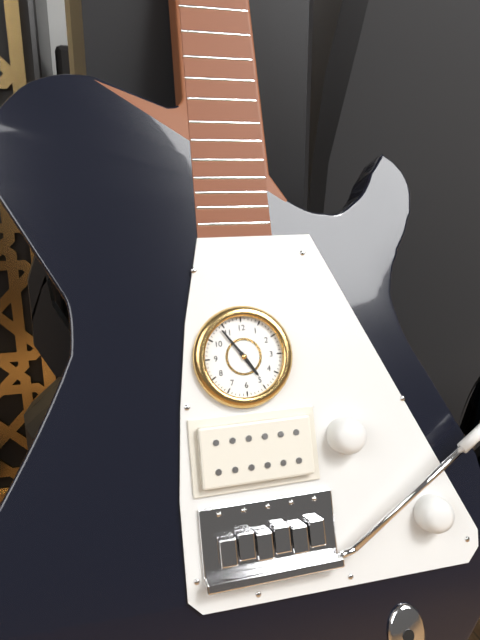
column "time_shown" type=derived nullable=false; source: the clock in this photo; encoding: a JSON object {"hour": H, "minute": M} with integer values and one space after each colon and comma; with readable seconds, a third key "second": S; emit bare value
{"hour": 4, "minute": 54}
